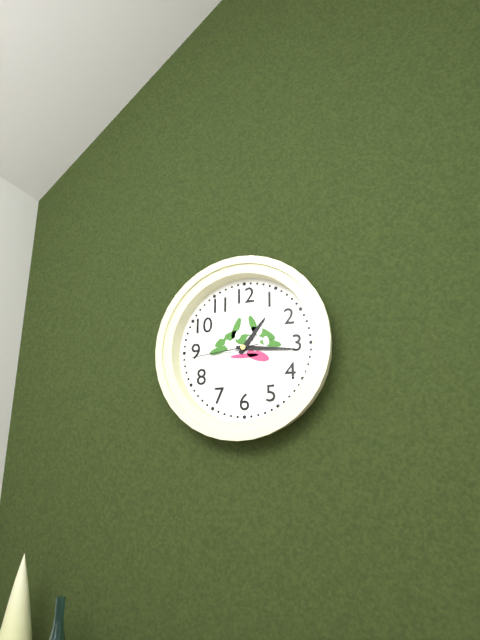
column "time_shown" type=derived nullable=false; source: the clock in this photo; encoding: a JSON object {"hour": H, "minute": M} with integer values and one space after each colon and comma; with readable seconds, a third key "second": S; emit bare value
{"hour": 1, "minute": 16, "second": 44}
